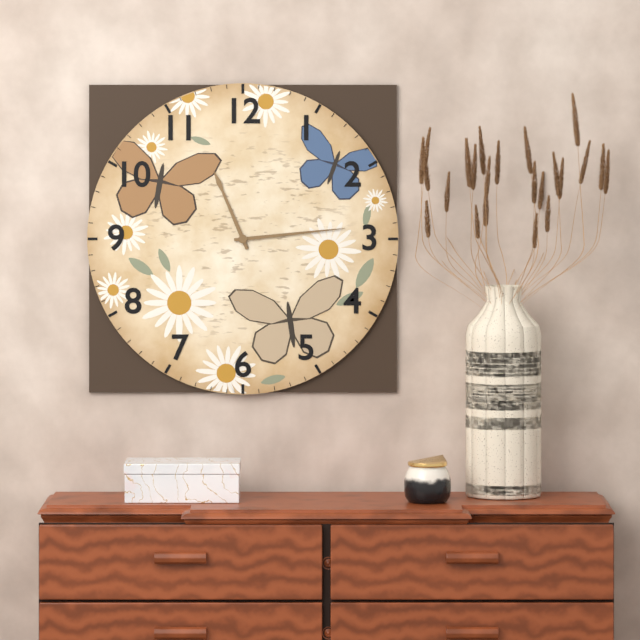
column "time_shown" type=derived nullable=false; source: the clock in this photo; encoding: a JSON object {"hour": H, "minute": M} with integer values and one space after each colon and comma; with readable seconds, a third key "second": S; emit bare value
{"hour": 11, "minute": 14}
